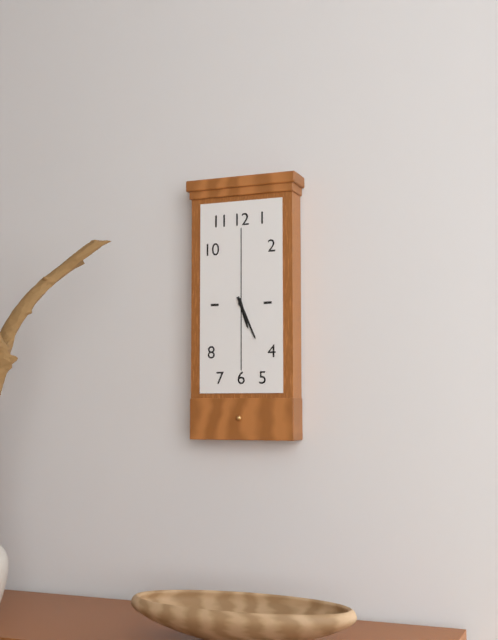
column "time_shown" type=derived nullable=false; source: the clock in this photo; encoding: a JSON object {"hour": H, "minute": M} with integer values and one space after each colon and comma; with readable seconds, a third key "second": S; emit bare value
{"hour": 5, "minute": 26}
